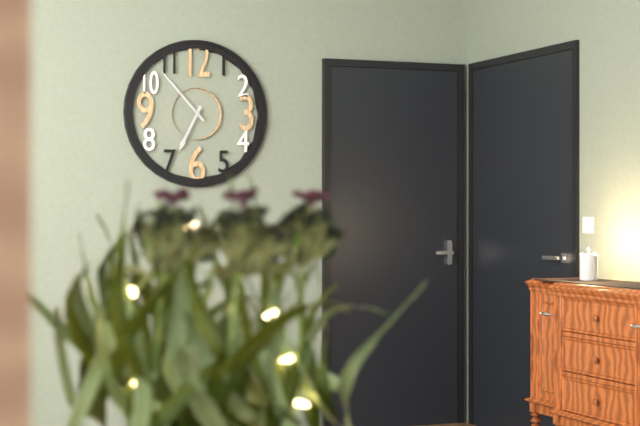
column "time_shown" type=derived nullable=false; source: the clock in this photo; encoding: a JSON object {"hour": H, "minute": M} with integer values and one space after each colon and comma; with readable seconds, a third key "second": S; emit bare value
{"hour": 6, "minute": 53}
